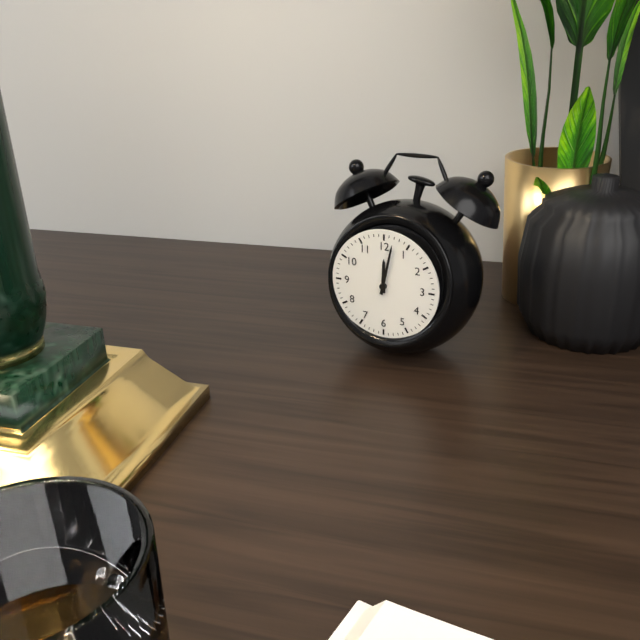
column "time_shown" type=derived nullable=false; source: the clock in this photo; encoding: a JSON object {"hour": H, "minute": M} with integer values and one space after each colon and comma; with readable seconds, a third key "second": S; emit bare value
{"hour": 12, "minute": 2}
